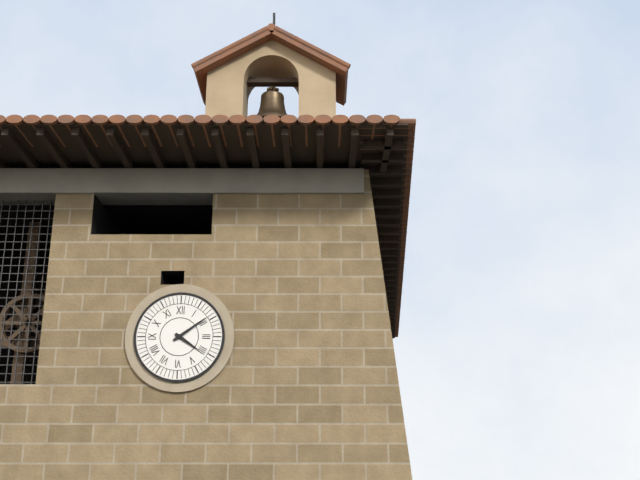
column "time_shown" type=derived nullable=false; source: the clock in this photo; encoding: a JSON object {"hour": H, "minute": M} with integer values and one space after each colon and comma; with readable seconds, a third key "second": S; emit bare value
{"hour": 4, "minute": 9}
